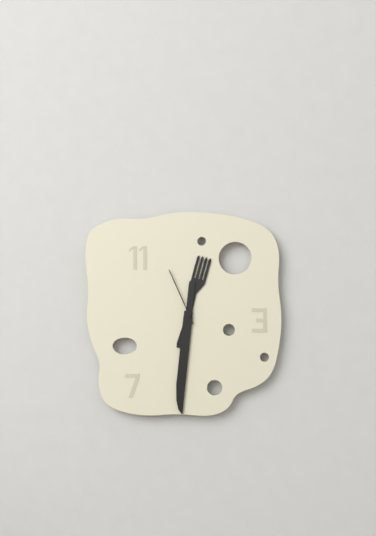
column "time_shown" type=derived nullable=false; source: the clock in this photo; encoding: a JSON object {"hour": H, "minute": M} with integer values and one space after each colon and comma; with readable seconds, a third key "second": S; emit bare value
{"hour": 12, "minute": 31, "second": 56}
